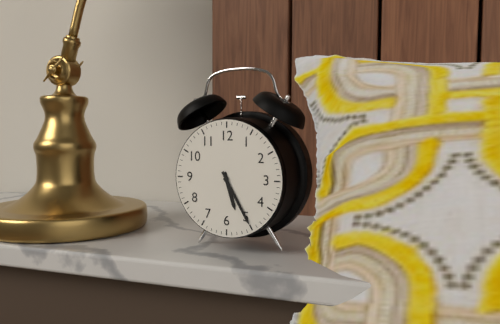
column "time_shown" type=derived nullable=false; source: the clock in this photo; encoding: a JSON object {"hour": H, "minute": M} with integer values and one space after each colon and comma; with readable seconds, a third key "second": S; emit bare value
{"hour": 5, "minute": 25}
